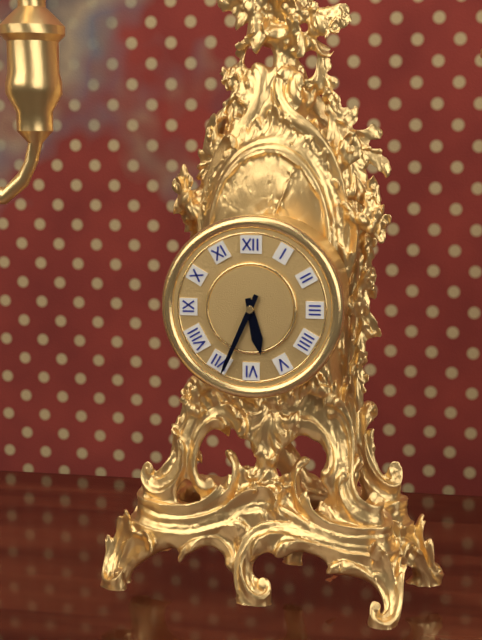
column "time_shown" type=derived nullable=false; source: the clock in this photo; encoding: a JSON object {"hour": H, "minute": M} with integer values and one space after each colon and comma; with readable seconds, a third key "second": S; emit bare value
{"hour": 5, "minute": 34}
